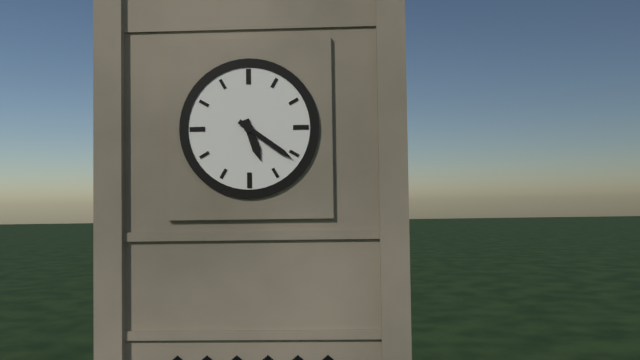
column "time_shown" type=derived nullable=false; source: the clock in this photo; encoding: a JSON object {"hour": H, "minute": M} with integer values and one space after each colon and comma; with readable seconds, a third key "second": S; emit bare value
{"hour": 5, "minute": 21}
